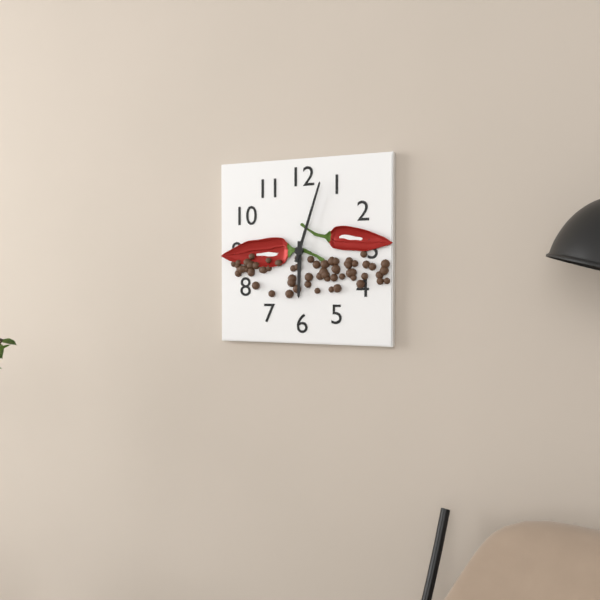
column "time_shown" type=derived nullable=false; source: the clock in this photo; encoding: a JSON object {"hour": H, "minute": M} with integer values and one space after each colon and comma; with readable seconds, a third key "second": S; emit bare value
{"hour": 6, "minute": 3}
